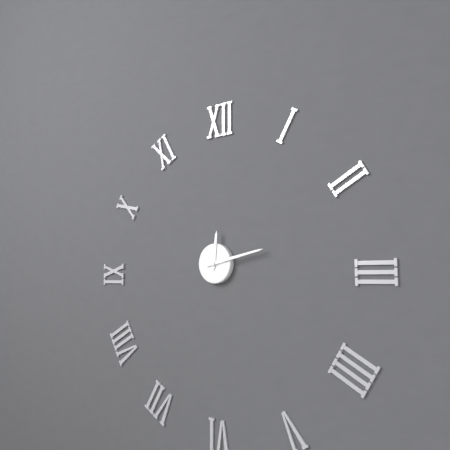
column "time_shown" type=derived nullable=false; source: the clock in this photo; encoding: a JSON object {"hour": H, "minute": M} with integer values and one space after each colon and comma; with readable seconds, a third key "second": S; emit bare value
{"hour": 12, "minute": 13}
